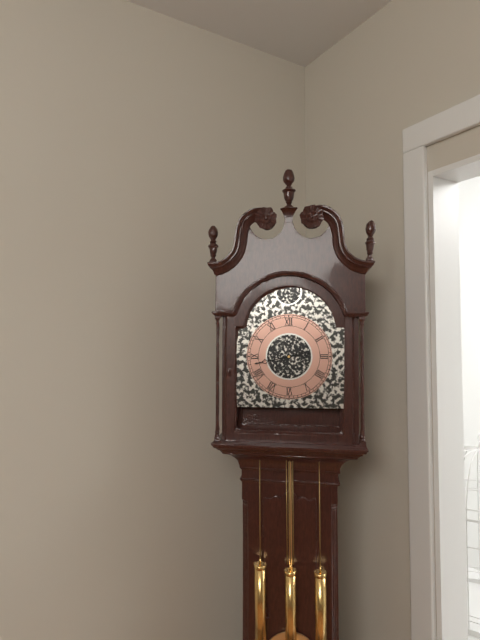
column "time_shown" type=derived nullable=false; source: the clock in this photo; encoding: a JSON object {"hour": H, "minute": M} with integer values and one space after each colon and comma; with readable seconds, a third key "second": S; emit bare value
{"hour": 2, "minute": 43}
